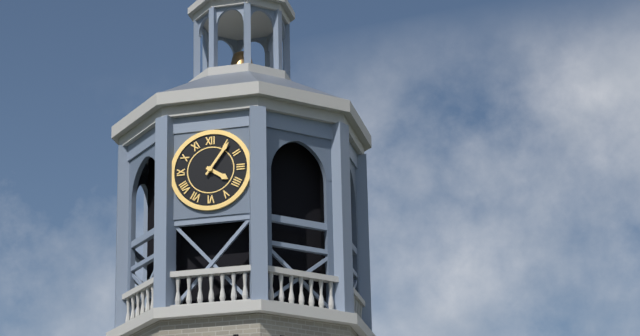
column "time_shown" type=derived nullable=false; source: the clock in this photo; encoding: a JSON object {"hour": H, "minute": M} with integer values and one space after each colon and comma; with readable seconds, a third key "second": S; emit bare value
{"hour": 4, "minute": 6}
